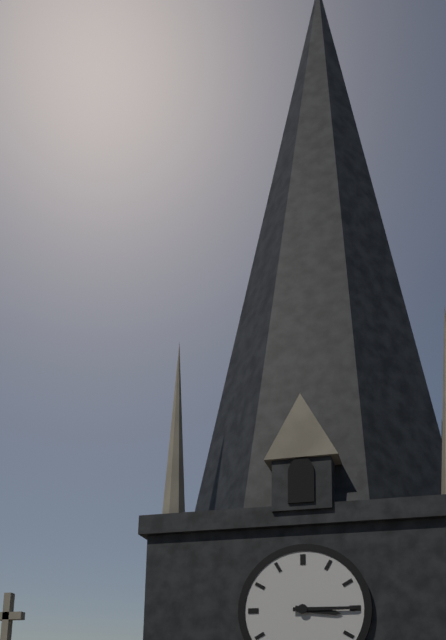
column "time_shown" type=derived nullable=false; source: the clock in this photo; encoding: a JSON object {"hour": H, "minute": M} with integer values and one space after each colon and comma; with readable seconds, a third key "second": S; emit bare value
{"hour": 3, "minute": 15}
